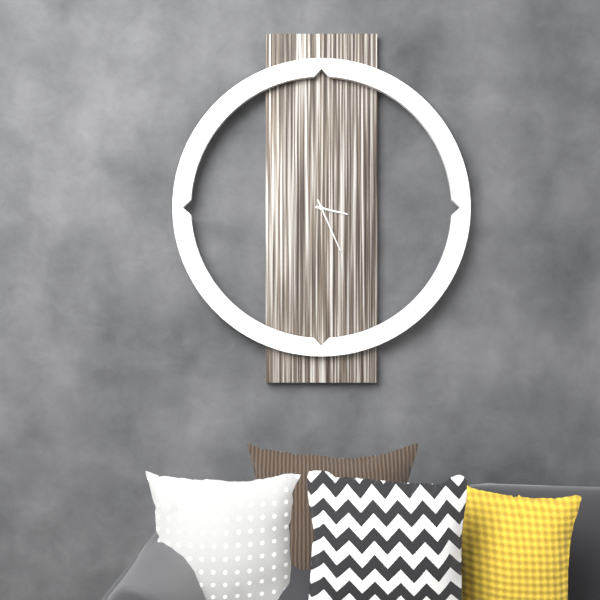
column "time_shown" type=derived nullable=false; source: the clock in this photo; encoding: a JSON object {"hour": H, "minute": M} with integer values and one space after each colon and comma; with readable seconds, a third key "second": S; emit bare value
{"hour": 3, "minute": 26}
